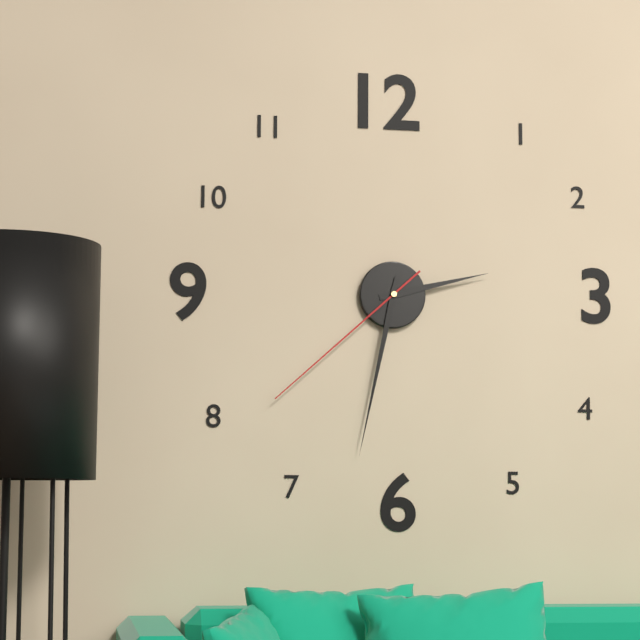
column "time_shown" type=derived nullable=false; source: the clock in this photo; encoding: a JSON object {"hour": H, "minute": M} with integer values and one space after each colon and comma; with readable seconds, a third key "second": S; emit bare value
{"hour": 2, "minute": 32, "second": 38}
